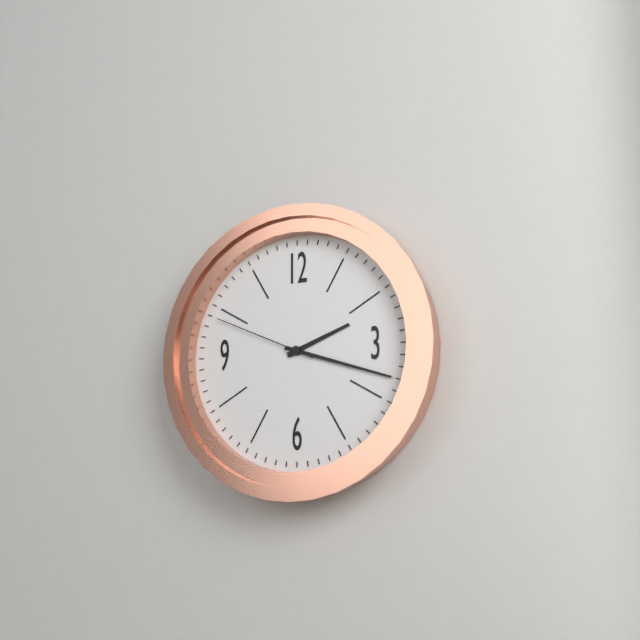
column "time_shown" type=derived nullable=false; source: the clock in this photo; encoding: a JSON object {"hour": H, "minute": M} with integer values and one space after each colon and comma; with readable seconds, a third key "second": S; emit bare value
{"hour": 2, "minute": 18, "second": 49}
